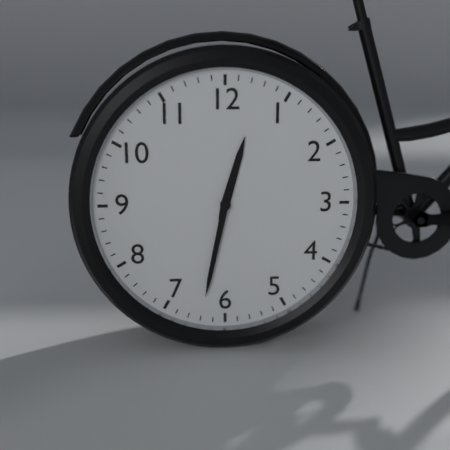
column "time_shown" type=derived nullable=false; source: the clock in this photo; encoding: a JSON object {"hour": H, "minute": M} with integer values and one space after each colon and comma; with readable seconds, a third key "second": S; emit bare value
{"hour": 12, "minute": 32}
